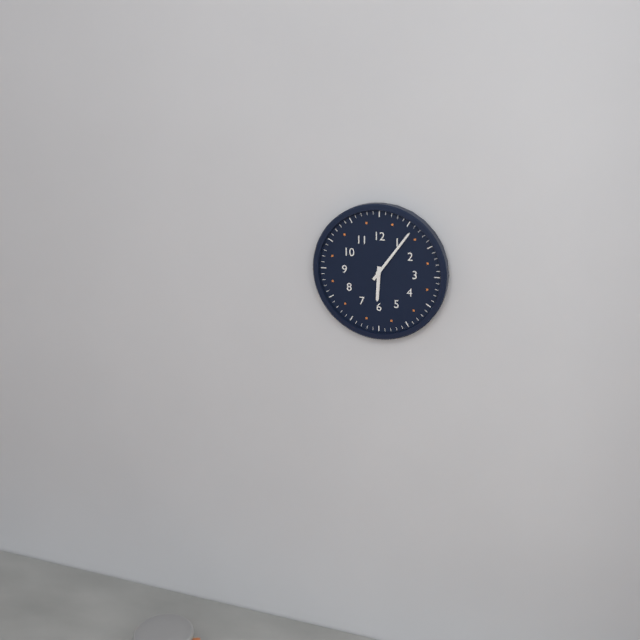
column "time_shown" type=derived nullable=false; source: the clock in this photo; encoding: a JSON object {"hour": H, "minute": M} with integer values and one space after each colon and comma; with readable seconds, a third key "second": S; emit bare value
{"hour": 6, "minute": 6}
